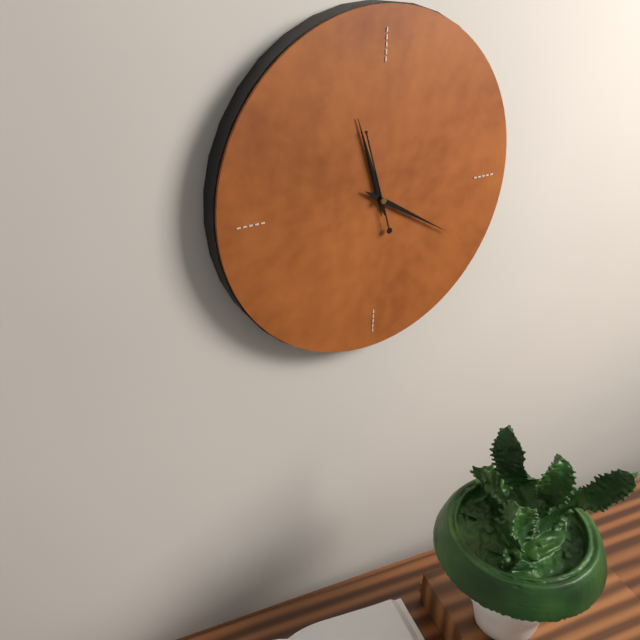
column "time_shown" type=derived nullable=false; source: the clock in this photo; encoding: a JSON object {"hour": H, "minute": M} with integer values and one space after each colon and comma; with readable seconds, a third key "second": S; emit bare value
{"hour": 11, "minute": 20, "second": 57}
